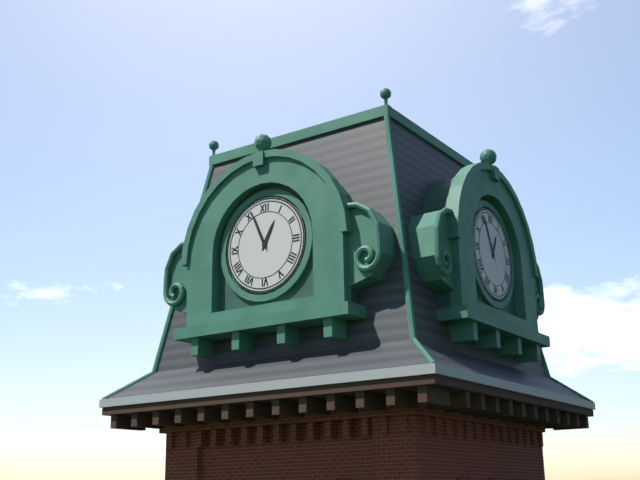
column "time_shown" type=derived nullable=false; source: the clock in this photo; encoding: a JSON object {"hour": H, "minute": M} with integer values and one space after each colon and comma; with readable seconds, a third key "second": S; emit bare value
{"hour": 12, "minute": 56}
